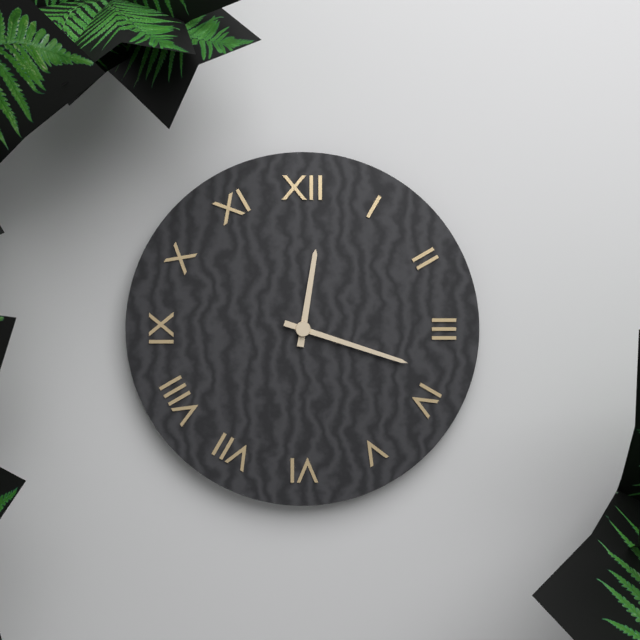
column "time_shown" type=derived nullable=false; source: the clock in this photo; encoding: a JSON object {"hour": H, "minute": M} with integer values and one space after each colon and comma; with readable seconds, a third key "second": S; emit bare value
{"hour": 12, "minute": 18}
